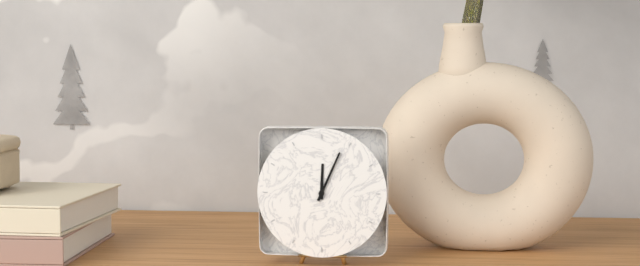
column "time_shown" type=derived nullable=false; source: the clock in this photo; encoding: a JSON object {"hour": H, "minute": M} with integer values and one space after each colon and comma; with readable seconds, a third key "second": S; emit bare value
{"hour": 12, "minute": 4}
